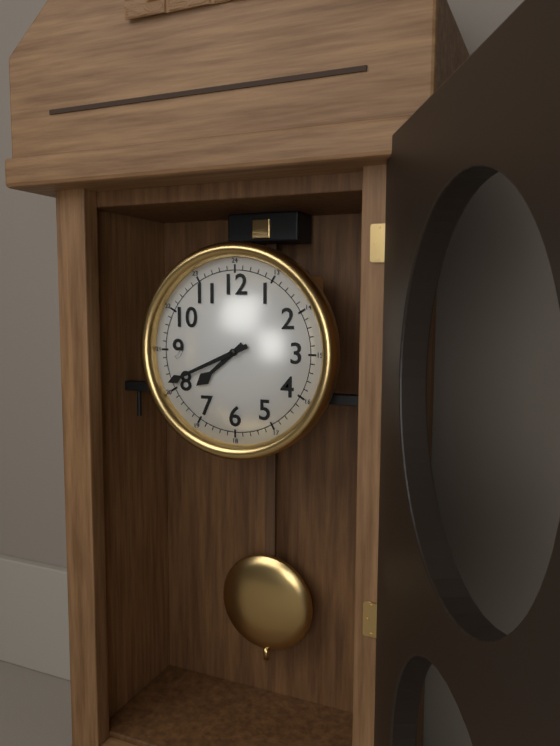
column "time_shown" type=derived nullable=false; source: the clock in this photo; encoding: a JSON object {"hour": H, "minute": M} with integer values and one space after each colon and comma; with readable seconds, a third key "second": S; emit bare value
{"hour": 7, "minute": 41}
